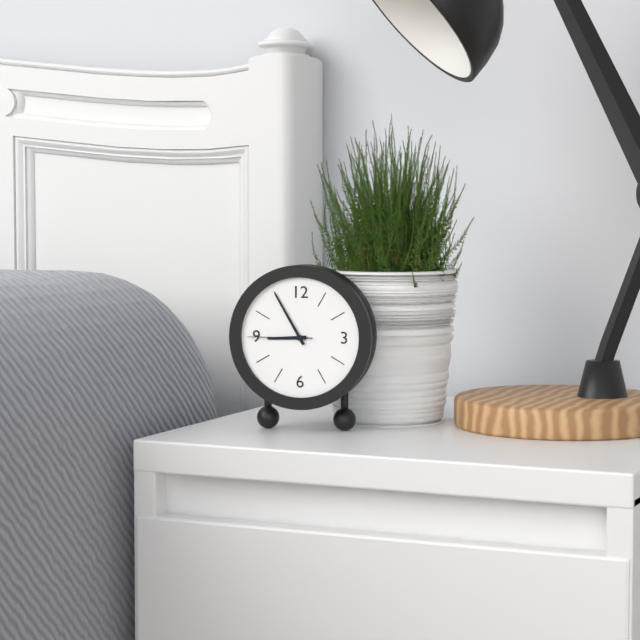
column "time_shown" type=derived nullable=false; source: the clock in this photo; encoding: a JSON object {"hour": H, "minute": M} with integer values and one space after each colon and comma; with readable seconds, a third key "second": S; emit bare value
{"hour": 8, "minute": 55, "second": 45}
